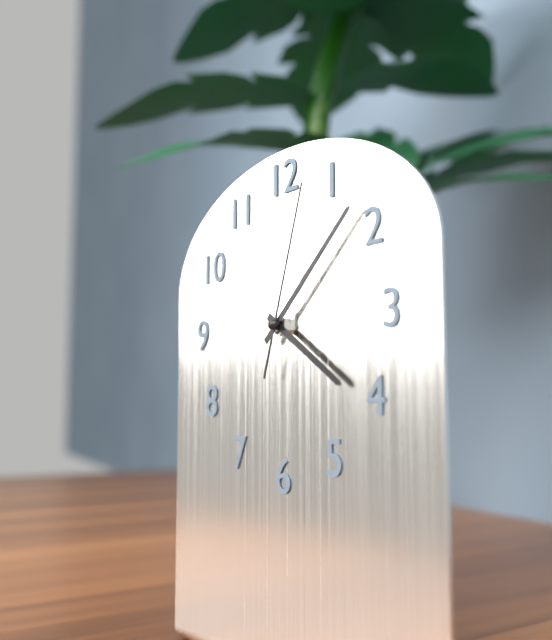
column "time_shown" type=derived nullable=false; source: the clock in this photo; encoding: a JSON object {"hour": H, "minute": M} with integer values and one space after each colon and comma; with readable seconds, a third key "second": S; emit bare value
{"hour": 4, "minute": 8, "second": 3}
